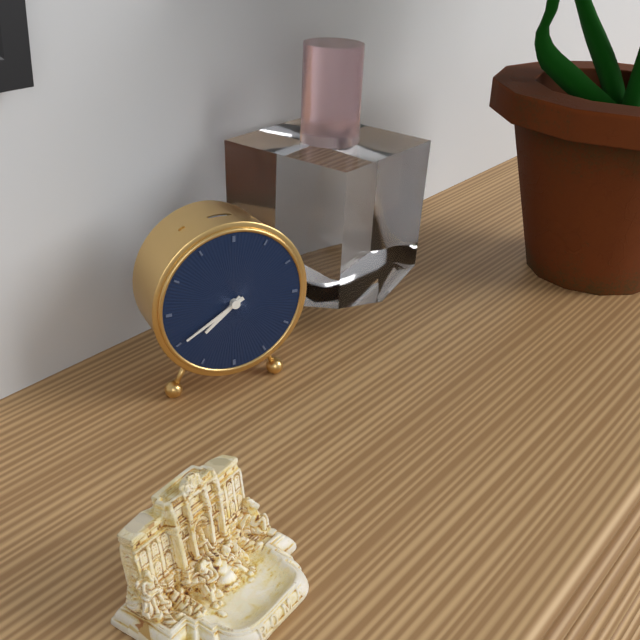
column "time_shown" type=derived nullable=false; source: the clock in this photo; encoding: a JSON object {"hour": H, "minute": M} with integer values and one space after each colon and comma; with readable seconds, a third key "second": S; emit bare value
{"hour": 7, "minute": 40}
